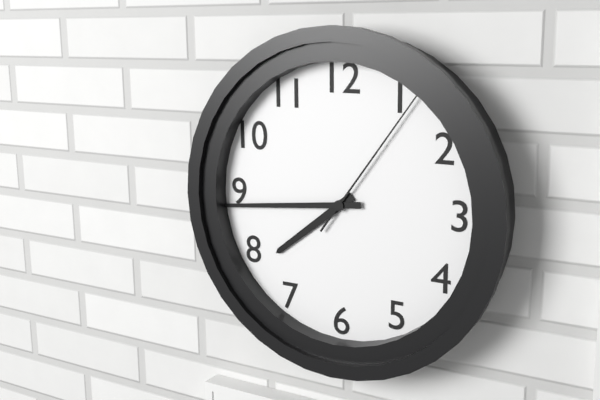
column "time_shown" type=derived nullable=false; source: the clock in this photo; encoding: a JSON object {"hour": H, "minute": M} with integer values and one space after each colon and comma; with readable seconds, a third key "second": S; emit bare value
{"hour": 7, "minute": 44, "second": 6}
